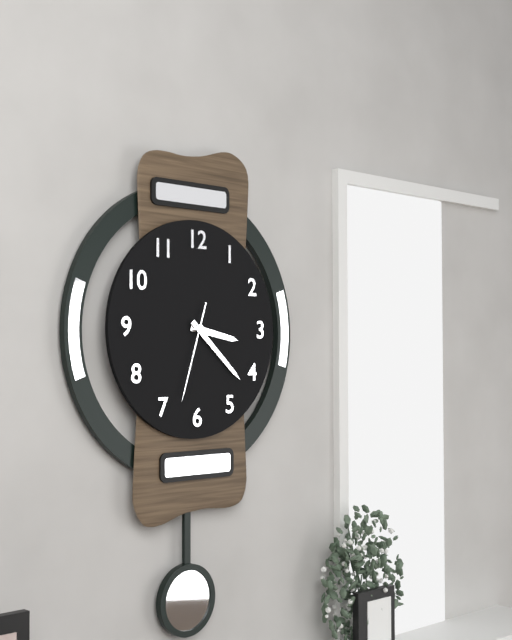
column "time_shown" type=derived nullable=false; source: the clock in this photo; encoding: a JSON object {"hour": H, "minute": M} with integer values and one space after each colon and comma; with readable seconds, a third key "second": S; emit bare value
{"hour": 3, "minute": 22, "second": 33}
